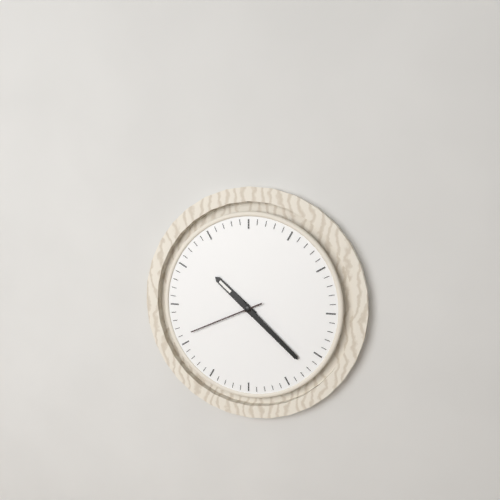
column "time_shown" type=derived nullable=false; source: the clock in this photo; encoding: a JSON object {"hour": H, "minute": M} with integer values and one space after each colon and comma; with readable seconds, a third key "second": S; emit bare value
{"hour": 10, "minute": 22, "second": 41}
